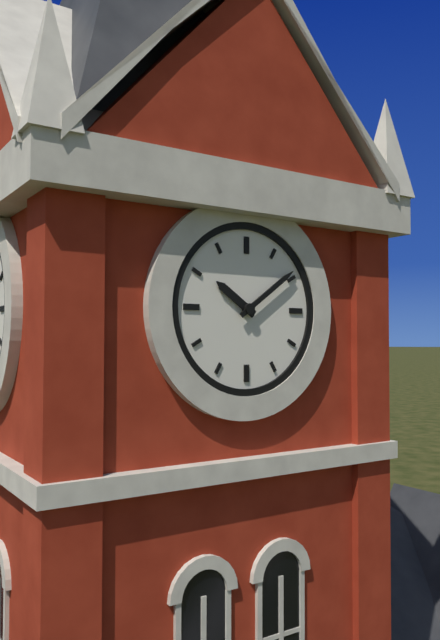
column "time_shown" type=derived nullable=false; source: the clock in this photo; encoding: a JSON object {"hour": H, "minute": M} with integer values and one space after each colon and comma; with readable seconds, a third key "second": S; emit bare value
{"hour": 10, "minute": 9}
